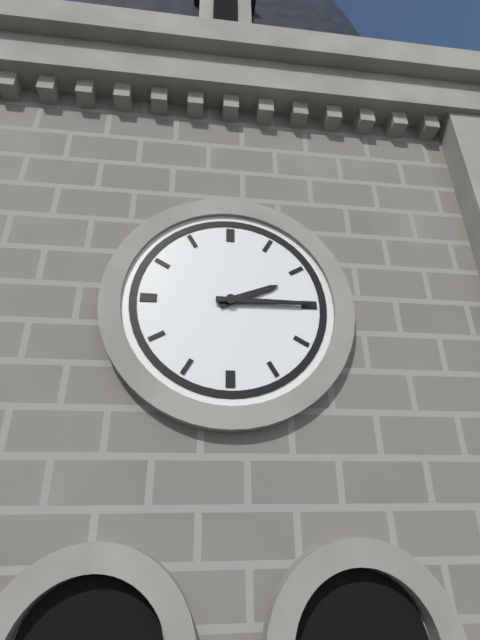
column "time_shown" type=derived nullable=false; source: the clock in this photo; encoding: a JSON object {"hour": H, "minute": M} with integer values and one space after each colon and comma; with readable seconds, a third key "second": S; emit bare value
{"hour": 2, "minute": 15}
